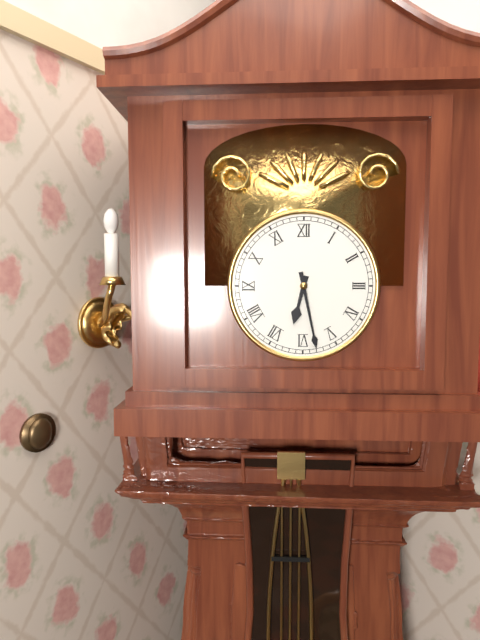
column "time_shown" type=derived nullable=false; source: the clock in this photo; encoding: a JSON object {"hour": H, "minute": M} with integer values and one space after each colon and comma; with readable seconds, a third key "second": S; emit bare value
{"hour": 6, "minute": 28}
